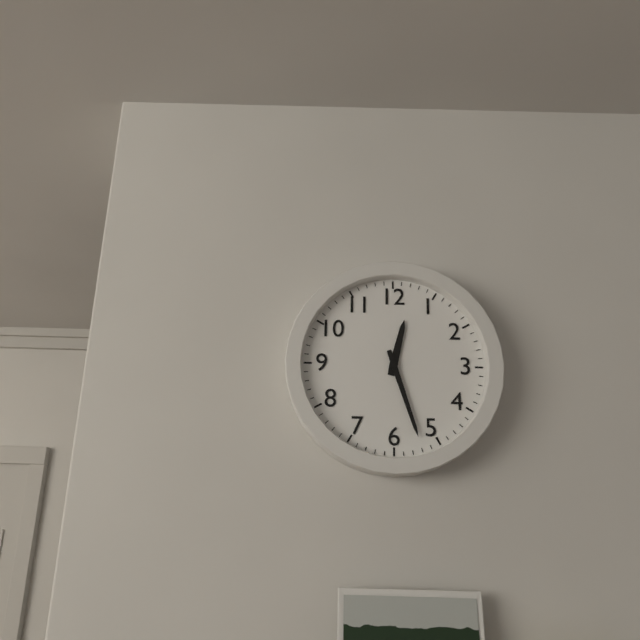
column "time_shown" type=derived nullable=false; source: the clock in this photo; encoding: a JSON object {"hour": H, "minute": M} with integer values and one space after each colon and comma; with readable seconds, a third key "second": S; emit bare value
{"hour": 12, "minute": 27}
